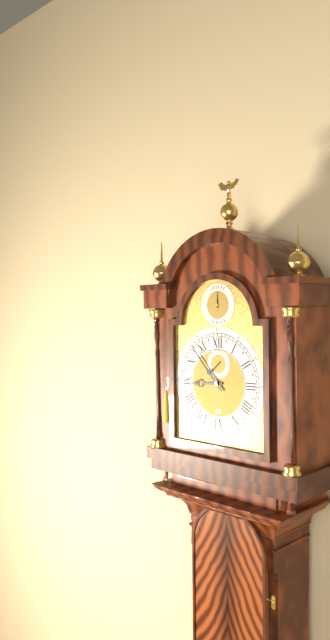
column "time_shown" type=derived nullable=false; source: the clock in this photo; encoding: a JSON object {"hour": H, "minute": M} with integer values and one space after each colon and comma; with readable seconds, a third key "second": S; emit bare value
{"hour": 8, "minute": 53}
